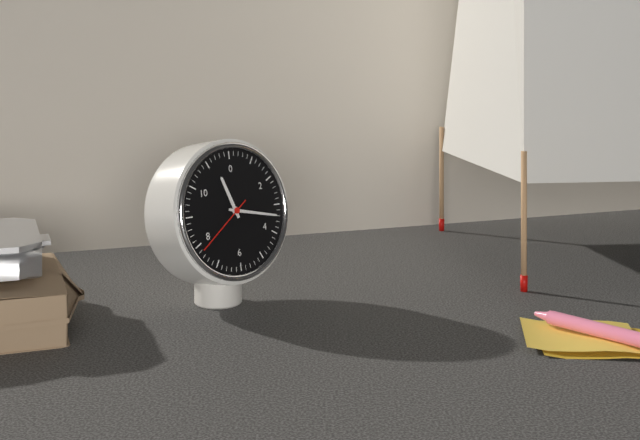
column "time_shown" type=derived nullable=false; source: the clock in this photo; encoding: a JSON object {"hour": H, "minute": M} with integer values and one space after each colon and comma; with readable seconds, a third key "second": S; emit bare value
{"hour": 11, "minute": 17, "second": 39}
